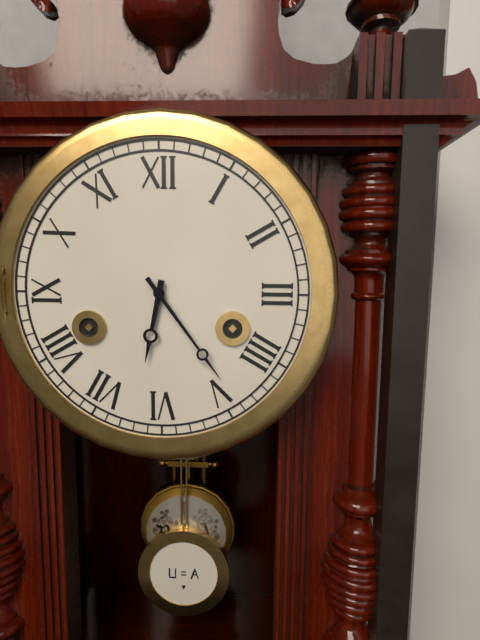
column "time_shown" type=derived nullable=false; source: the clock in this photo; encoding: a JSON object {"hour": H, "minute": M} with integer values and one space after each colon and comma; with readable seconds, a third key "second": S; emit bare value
{"hour": 6, "minute": 24}
